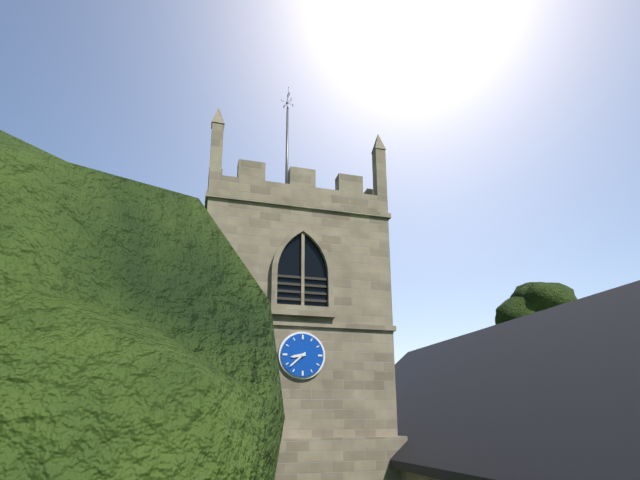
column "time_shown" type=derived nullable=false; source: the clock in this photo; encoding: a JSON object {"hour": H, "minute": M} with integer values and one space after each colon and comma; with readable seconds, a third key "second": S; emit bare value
{"hour": 8, "minute": 38}
